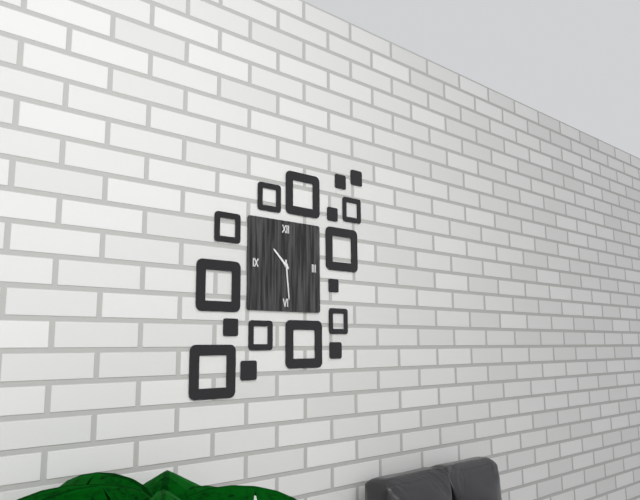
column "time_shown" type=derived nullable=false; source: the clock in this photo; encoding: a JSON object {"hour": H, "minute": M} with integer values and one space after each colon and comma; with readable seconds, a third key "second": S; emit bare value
{"hour": 10, "minute": 29}
